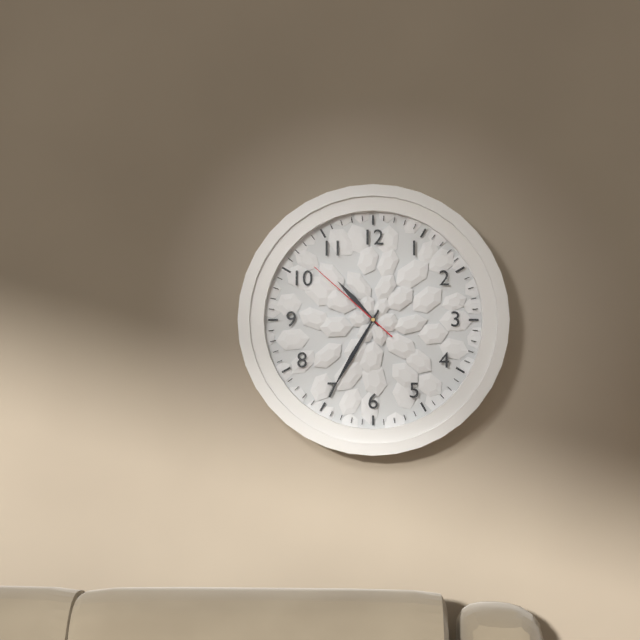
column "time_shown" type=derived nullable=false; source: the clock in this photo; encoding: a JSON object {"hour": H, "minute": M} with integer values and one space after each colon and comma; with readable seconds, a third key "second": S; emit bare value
{"hour": 10, "minute": 35, "second": 52}
